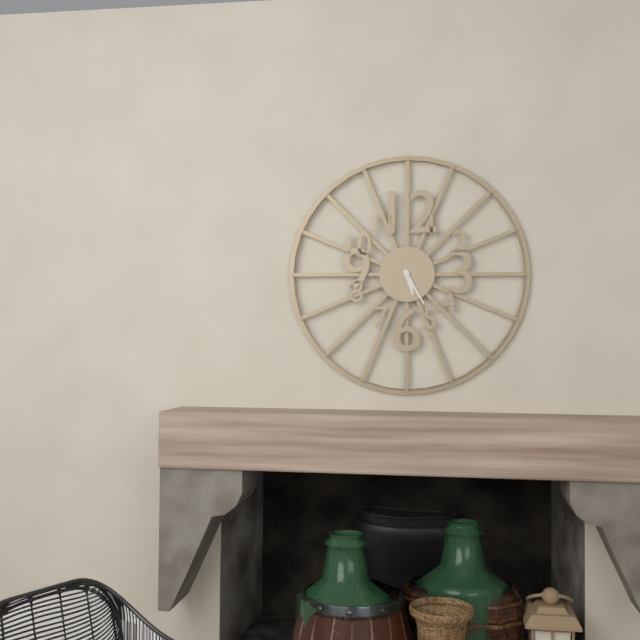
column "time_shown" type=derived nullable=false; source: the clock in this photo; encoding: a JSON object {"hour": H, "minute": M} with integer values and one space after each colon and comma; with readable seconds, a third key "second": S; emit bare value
{"hour": 5, "minute": 25}
